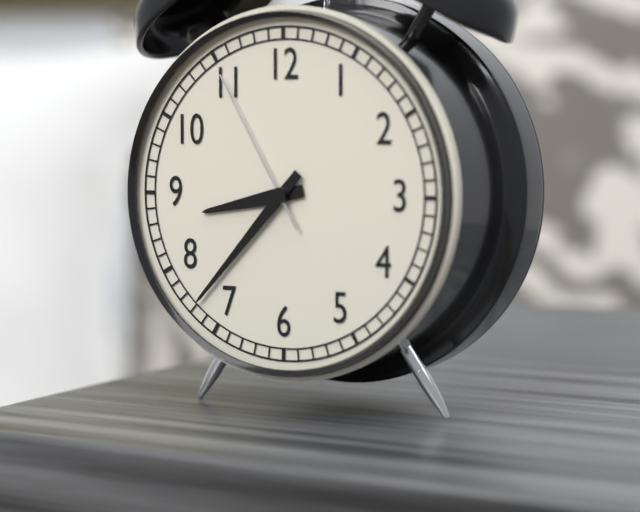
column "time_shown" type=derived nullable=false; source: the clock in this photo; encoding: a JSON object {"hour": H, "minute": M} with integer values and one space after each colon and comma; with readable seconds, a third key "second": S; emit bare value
{"hour": 8, "minute": 37, "second": 55}
